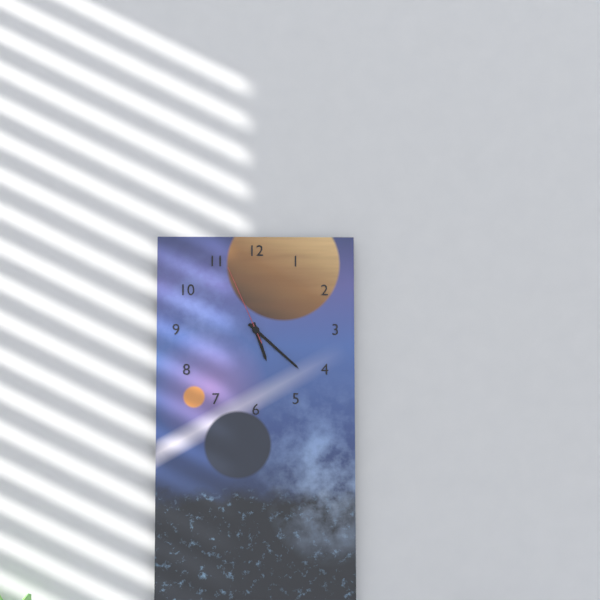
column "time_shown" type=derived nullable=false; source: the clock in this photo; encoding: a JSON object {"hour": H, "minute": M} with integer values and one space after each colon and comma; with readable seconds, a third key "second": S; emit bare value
{"hour": 5, "minute": 22, "second": 56}
